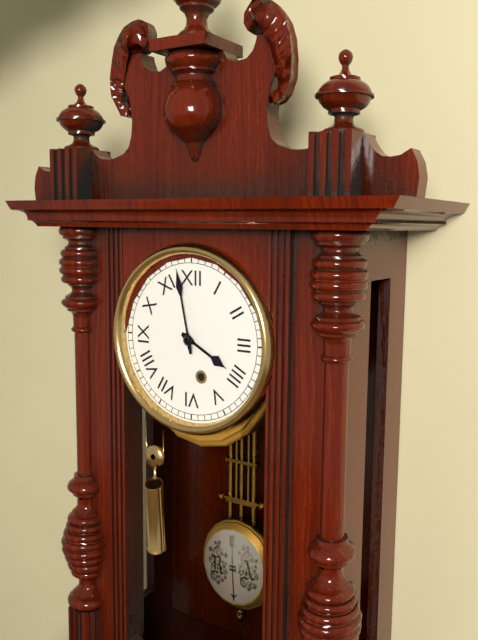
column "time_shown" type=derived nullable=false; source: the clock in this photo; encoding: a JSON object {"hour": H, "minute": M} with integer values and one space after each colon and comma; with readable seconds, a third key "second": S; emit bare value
{"hour": 3, "minute": 58}
